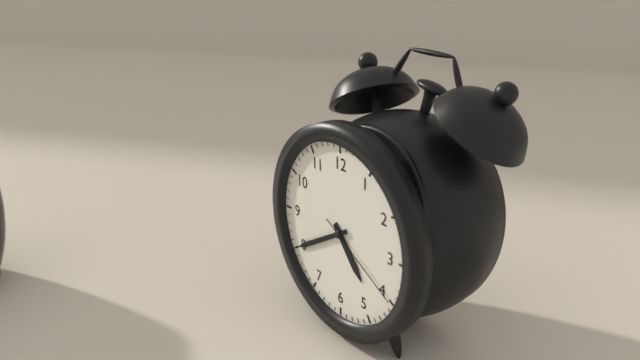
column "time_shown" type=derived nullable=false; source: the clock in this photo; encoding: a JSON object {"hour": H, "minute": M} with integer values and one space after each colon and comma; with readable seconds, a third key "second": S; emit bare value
{"hour": 4, "minute": 40, "second": 20}
